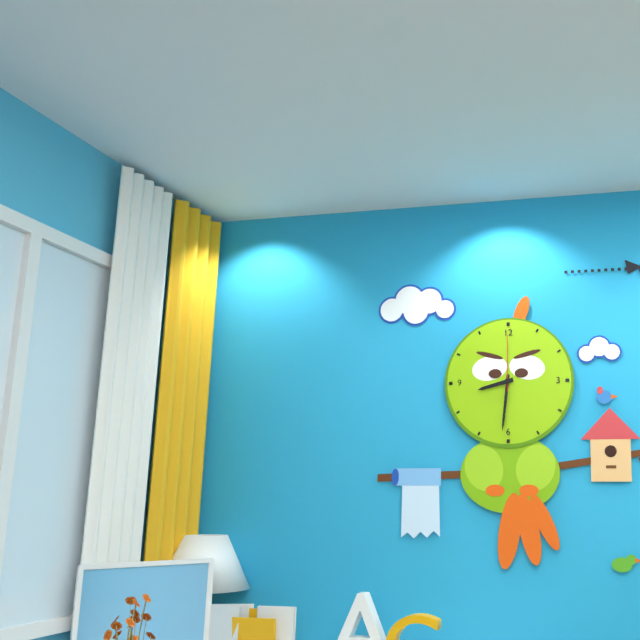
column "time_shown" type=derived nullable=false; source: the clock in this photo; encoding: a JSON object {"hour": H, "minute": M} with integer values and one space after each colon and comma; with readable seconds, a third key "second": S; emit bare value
{"hour": 8, "minute": 31, "second": 0}
